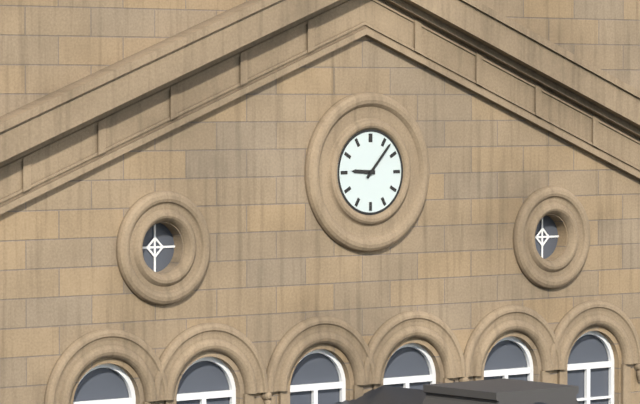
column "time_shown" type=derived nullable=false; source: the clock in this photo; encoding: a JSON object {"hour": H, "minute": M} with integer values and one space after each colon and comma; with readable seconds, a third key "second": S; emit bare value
{"hour": 9, "minute": 7}
